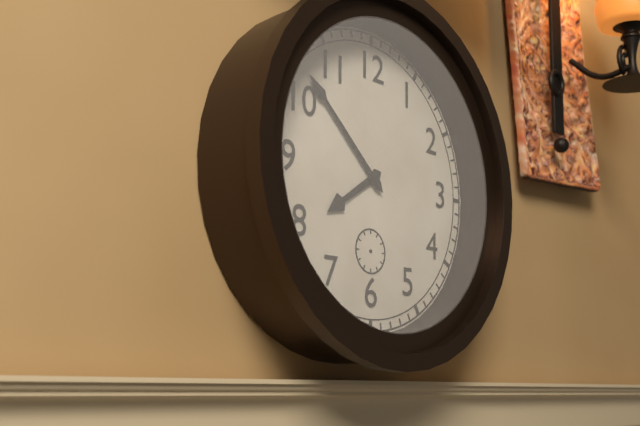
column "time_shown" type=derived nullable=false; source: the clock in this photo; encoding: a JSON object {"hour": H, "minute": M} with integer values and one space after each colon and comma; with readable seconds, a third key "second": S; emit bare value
{"hour": 7, "minute": 52}
